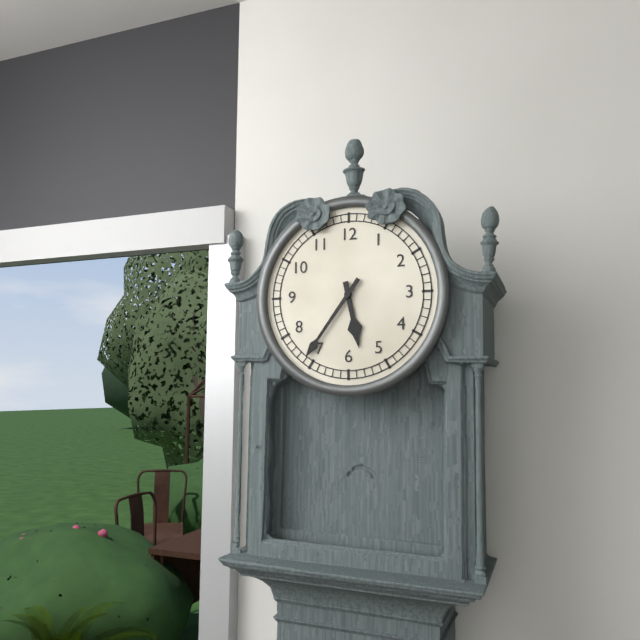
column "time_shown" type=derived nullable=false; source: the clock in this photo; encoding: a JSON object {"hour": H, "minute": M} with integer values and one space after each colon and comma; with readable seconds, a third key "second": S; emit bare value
{"hour": 5, "minute": 36}
